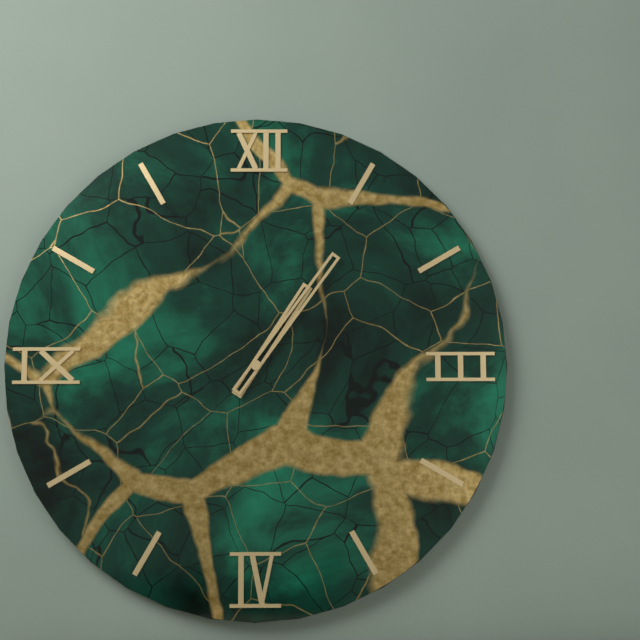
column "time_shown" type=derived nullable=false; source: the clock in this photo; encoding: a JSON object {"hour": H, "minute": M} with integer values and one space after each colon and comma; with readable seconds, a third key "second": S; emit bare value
{"hour": 1, "minute": 6}
